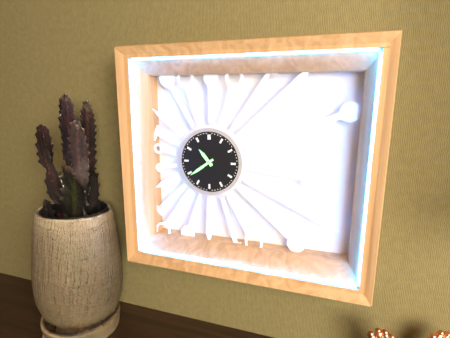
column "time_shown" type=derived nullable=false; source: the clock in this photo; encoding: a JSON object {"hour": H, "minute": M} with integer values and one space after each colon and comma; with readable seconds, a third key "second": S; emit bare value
{"hour": 10, "minute": 39}
